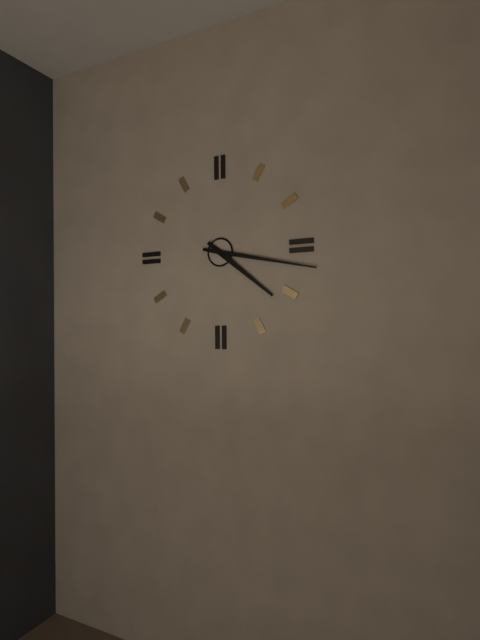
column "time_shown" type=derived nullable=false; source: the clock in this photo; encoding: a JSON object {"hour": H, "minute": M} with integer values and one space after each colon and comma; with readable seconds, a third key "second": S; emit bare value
{"hour": 4, "minute": 17}
